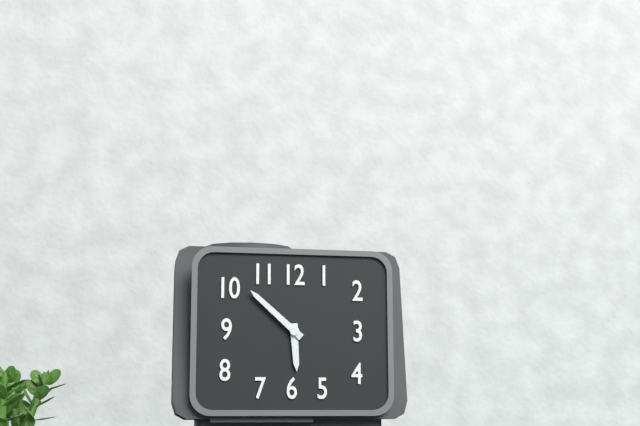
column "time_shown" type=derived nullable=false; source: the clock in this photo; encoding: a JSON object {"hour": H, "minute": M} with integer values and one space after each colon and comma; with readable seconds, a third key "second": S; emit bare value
{"hour": 5, "minute": 52}
